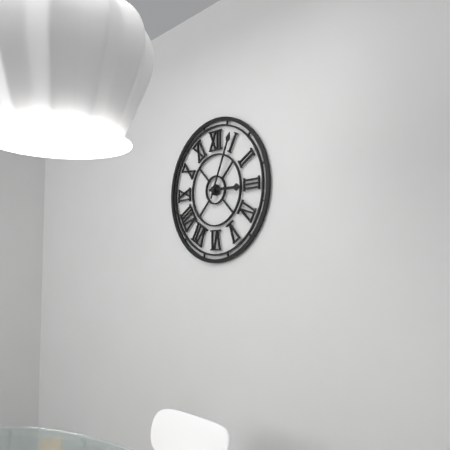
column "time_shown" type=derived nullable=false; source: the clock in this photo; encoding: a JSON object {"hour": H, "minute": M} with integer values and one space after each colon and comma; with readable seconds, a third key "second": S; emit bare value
{"hour": 3, "minute": 4}
